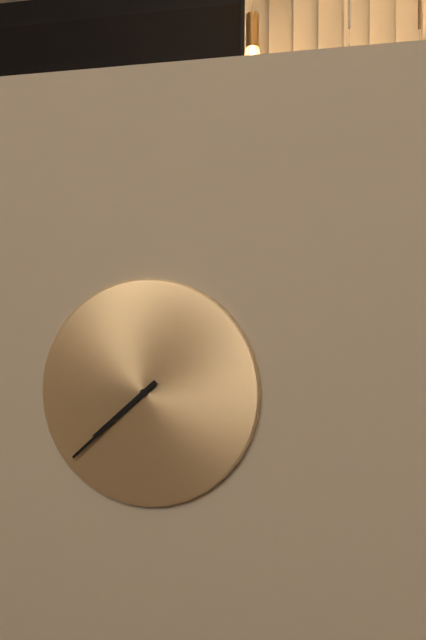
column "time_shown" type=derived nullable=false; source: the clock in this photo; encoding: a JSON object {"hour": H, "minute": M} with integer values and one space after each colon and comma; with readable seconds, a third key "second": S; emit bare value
{"hour": 7, "minute": 38}
